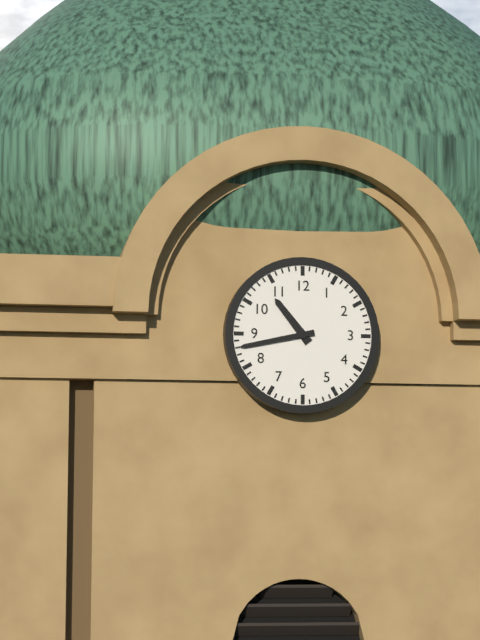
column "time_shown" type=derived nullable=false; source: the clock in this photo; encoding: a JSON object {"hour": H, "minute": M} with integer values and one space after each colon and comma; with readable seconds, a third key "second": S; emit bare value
{"hour": 10, "minute": 43}
